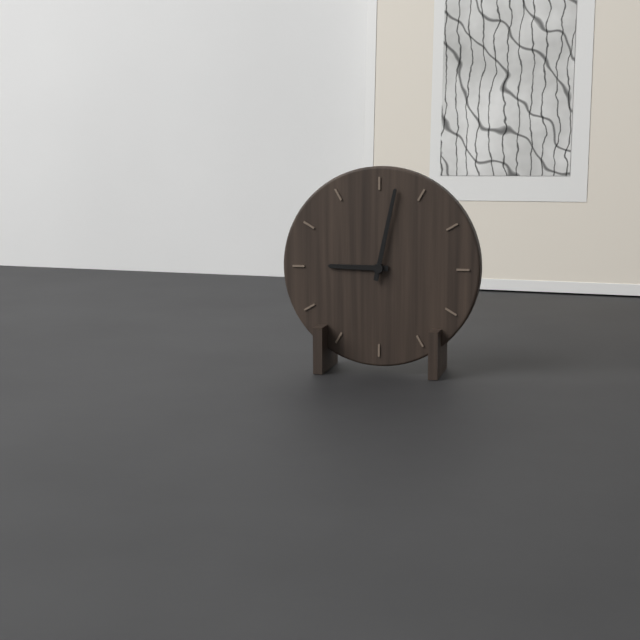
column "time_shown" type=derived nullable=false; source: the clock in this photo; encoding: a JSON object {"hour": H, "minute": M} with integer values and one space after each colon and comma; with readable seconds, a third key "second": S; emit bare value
{"hour": 9, "minute": 2}
